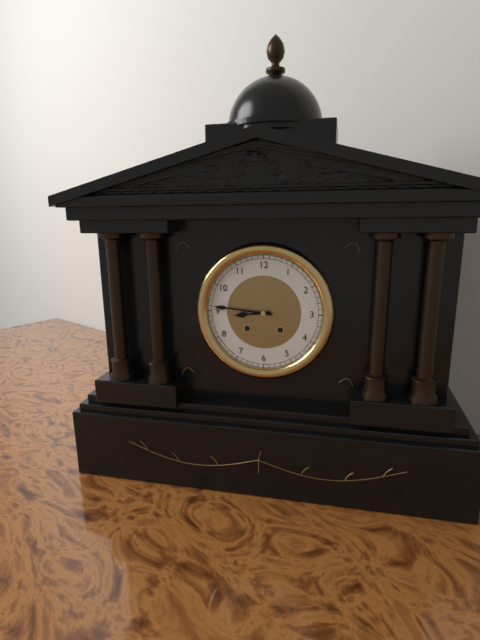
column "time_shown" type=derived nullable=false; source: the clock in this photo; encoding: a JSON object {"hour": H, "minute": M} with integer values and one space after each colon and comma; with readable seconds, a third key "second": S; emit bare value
{"hour": 8, "minute": 46}
